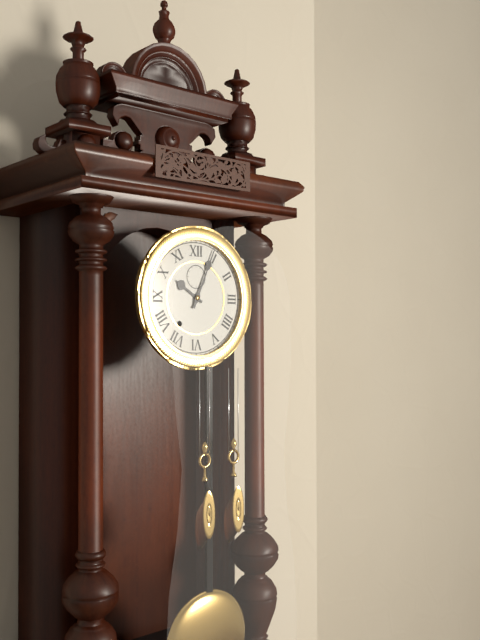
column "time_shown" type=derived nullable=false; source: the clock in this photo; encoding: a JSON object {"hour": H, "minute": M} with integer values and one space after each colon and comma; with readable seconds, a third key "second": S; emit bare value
{"hour": 10, "minute": 4}
